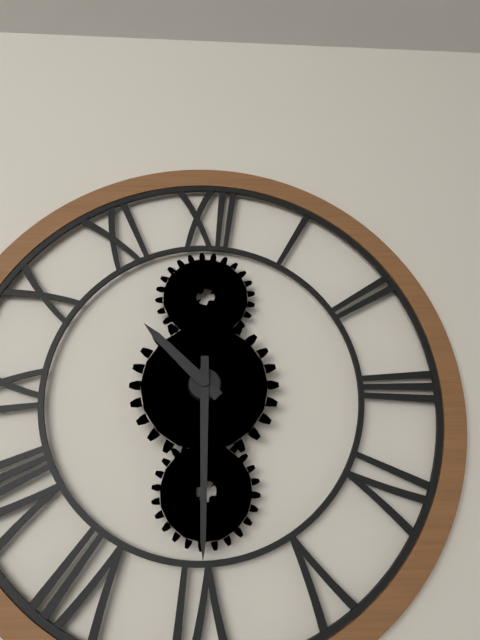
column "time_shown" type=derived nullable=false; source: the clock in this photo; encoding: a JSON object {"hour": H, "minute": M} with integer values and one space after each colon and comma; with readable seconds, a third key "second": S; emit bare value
{"hour": 10, "minute": 30}
